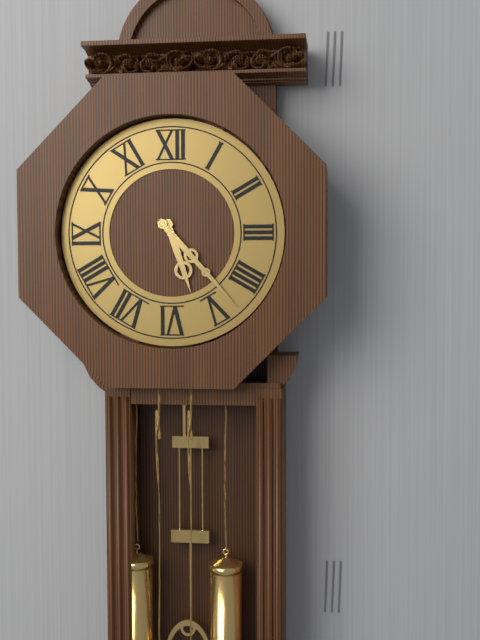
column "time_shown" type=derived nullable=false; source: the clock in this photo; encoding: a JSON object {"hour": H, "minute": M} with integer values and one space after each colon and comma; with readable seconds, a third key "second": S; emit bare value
{"hour": 5, "minute": 23}
